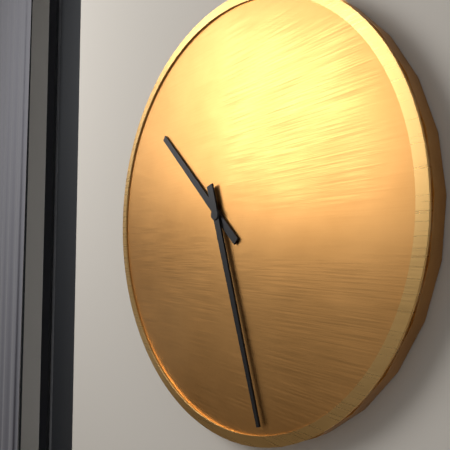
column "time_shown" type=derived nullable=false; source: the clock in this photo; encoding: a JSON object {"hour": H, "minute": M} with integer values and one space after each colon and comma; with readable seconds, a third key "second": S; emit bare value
{"hour": 10, "minute": 27}
